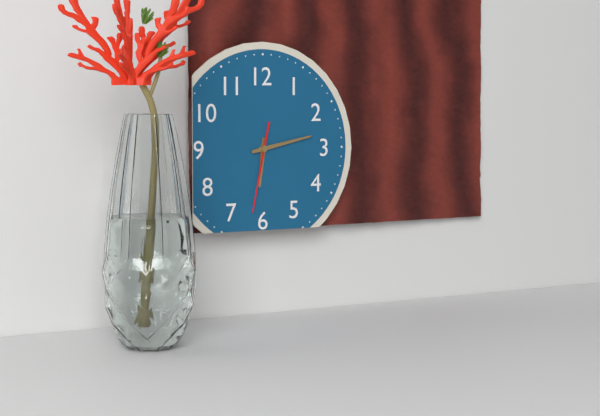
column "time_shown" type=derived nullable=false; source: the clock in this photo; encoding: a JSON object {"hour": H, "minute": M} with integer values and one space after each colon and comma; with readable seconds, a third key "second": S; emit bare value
{"hour": 6, "minute": 13, "second": 32}
